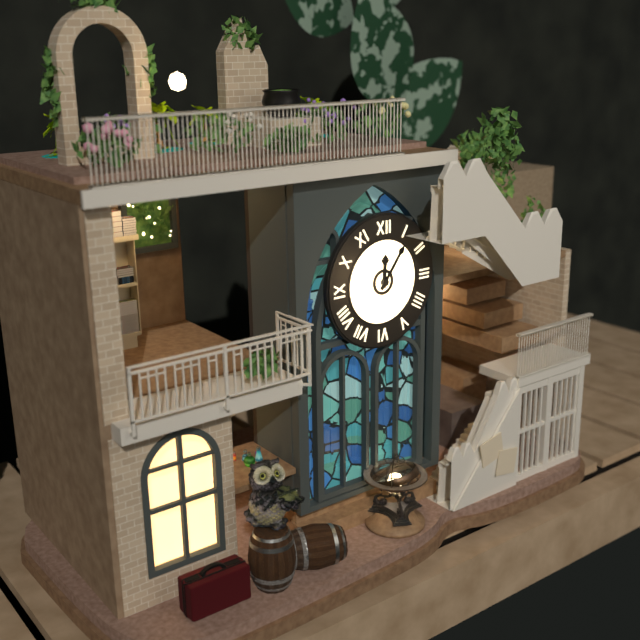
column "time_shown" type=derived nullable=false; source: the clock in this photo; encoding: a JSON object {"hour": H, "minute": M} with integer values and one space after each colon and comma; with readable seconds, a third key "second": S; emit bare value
{"hour": 12, "minute": 6}
